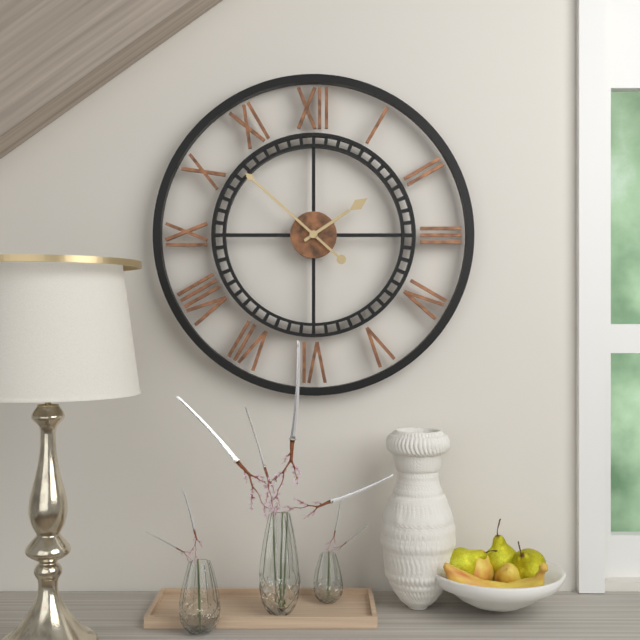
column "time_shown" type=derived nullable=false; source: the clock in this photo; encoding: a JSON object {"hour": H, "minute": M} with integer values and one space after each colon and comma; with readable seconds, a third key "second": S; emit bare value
{"hour": 1, "minute": 52}
